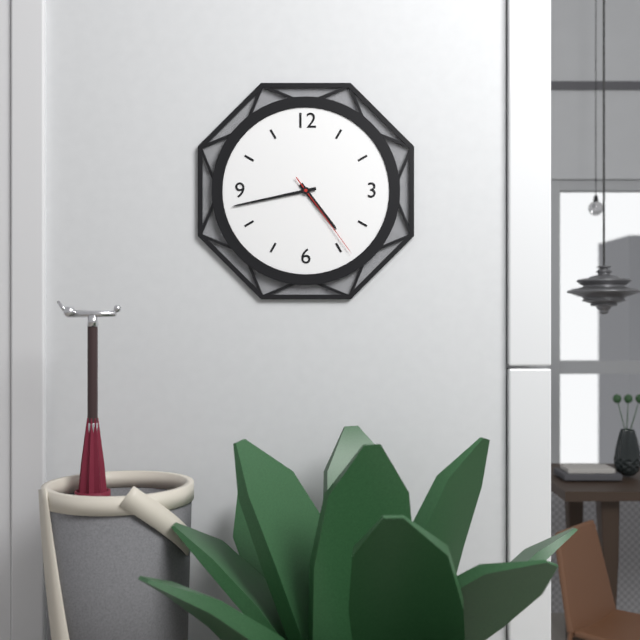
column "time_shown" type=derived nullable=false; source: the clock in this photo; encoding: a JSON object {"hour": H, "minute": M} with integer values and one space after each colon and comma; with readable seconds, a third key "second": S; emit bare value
{"hour": 4, "minute": 43, "second": 24}
